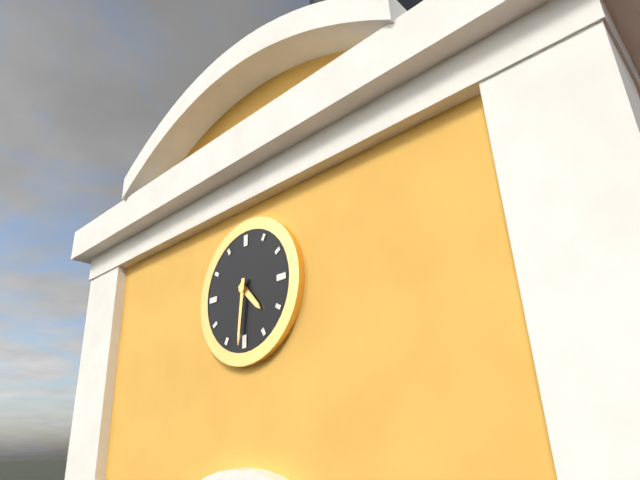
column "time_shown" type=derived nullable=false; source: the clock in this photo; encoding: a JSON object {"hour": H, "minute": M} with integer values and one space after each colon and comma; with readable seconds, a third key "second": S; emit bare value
{"hour": 4, "minute": 31}
